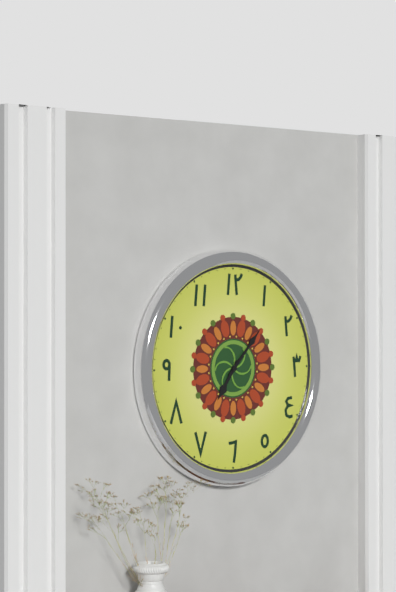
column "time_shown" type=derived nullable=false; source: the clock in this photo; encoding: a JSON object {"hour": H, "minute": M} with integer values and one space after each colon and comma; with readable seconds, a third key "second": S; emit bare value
{"hour": 7, "minute": 7}
